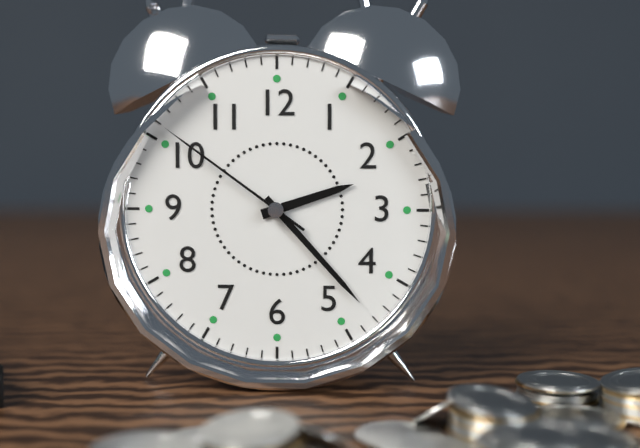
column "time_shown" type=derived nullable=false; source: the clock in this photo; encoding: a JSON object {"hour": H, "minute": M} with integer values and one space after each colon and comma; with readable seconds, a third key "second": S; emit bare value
{"hour": 2, "minute": 23, "second": 51}
